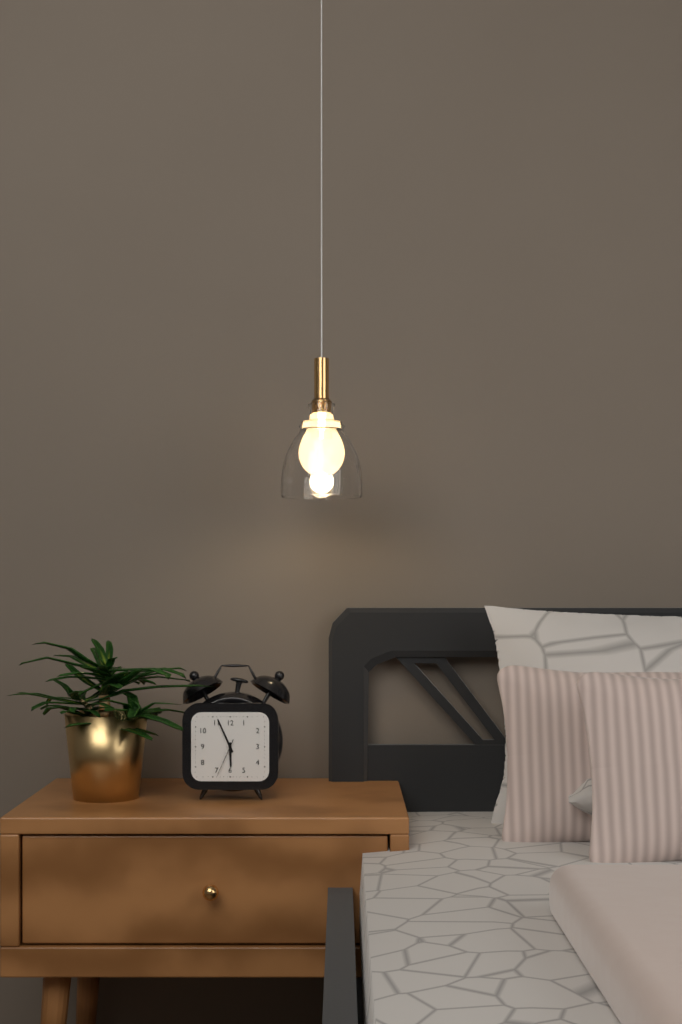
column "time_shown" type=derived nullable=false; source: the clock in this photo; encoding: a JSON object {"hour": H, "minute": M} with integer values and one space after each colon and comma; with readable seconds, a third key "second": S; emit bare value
{"hour": 5, "minute": 56}
